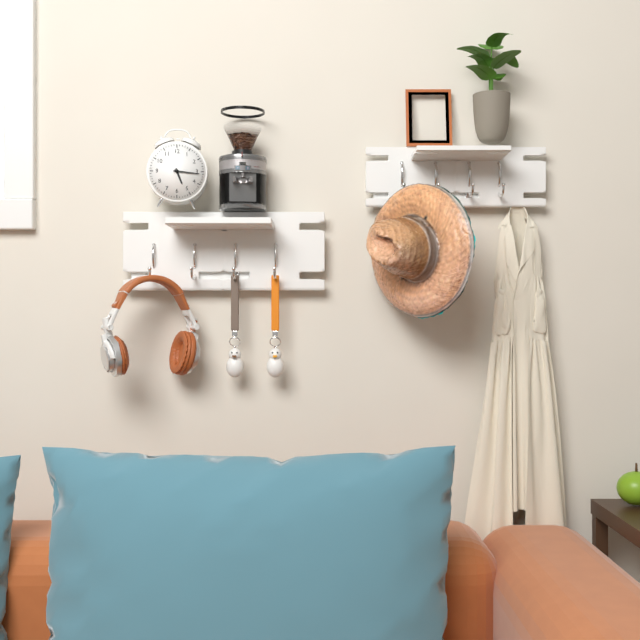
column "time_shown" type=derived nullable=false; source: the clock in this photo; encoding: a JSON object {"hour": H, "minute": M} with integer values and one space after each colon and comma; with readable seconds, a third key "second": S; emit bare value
{"hour": 5, "minute": 16}
